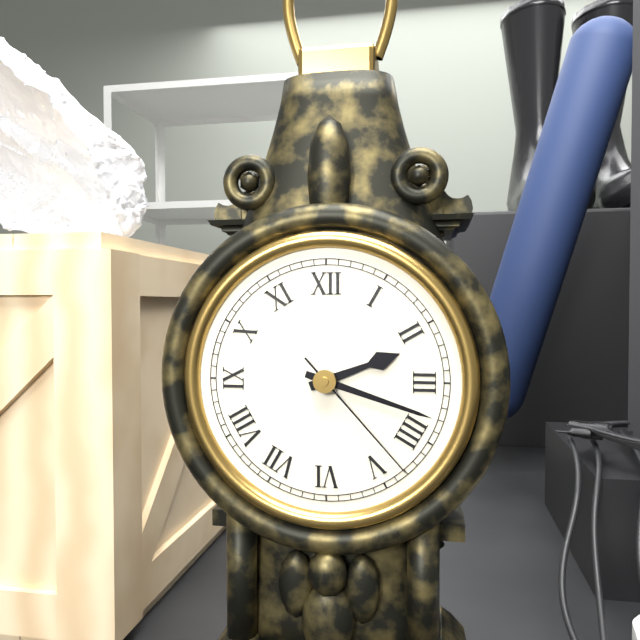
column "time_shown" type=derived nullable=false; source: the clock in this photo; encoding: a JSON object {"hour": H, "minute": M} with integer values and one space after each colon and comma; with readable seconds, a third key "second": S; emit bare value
{"hour": 2, "minute": 18, "second": 23}
